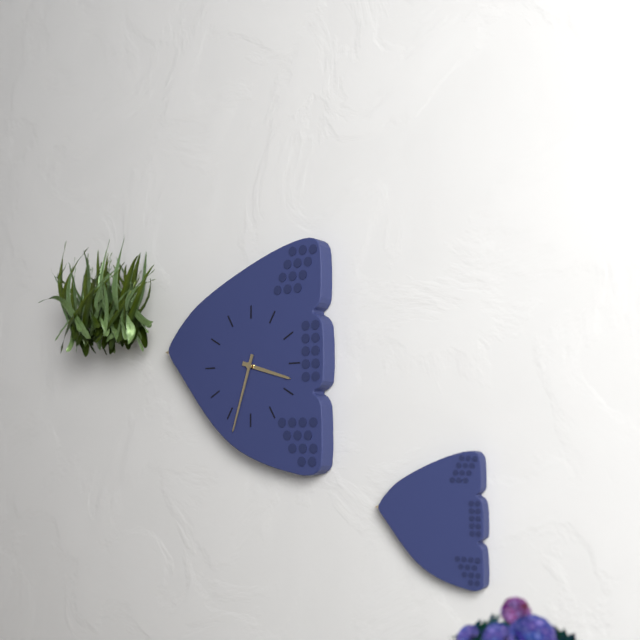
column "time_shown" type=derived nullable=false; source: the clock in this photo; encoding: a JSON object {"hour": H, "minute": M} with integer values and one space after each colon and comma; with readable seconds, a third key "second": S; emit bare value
{"hour": 3, "minute": 33}
